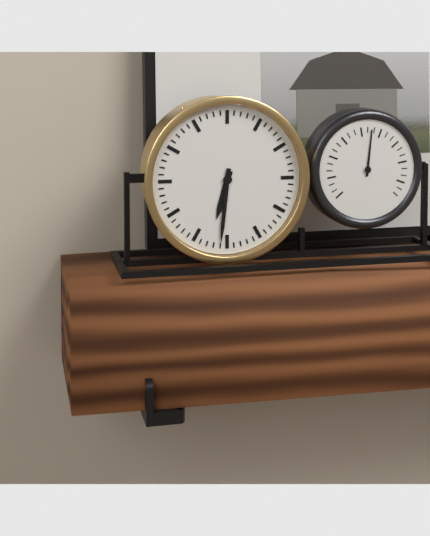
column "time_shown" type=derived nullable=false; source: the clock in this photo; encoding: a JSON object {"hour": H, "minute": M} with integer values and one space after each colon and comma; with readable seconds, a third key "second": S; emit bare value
{"hour": 6, "minute": 31}
